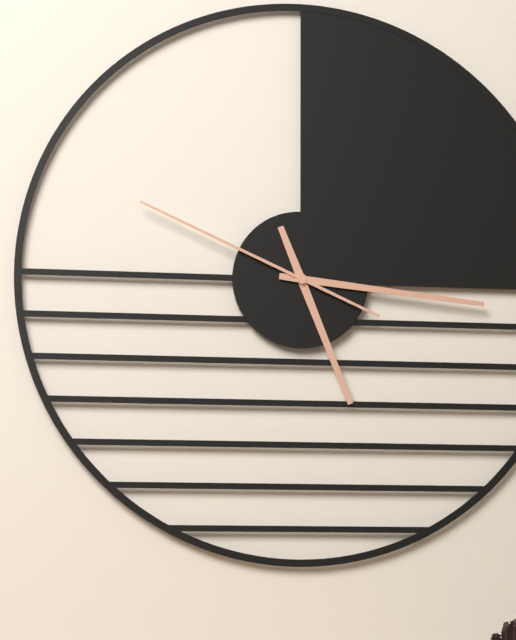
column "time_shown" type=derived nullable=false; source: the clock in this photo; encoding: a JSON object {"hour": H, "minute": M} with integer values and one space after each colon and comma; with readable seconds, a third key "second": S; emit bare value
{"hour": 5, "minute": 16, "second": 49}
